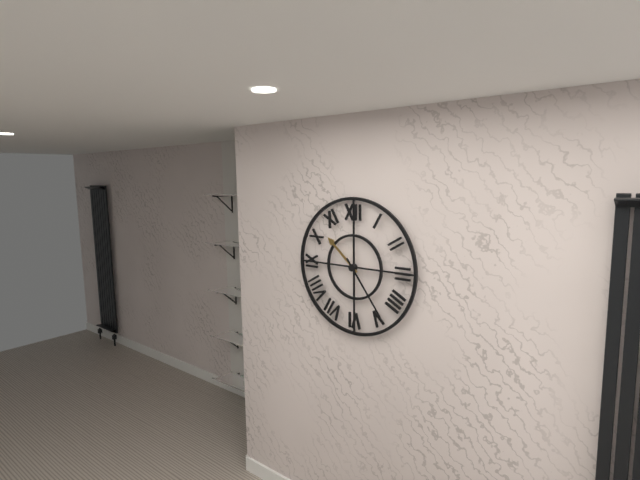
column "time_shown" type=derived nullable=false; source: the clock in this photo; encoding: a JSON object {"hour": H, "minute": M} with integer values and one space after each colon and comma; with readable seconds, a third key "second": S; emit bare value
{"hour": 10, "minute": 24}
